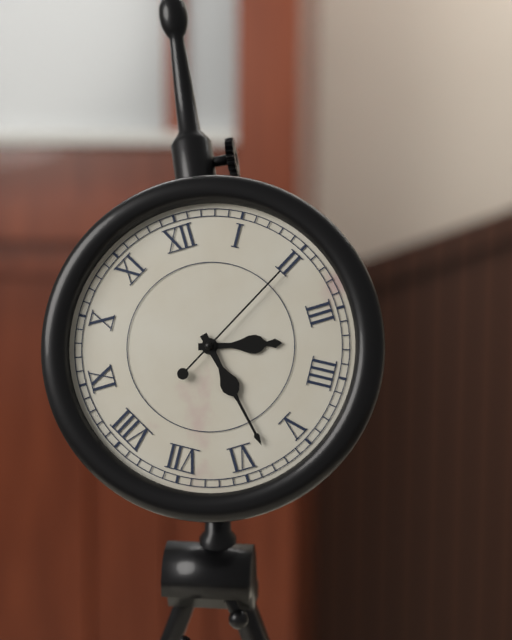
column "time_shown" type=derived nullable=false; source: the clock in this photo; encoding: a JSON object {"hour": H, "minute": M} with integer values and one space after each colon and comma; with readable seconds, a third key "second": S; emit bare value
{"hour": 3, "minute": 28, "second": 10}
